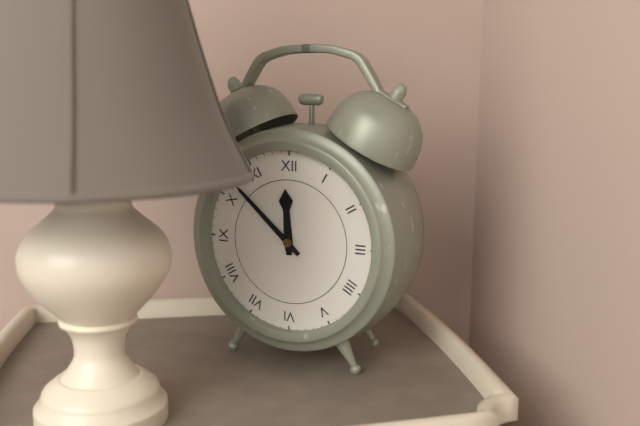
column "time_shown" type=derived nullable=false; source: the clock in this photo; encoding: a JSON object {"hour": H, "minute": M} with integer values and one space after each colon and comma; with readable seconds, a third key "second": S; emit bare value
{"hour": 11, "minute": 52}
